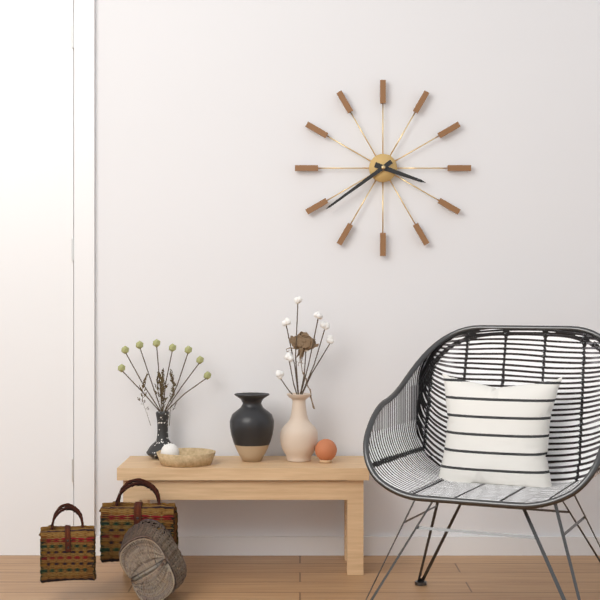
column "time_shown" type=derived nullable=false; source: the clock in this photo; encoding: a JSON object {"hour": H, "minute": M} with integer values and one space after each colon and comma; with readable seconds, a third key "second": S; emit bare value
{"hour": 3, "minute": 39}
